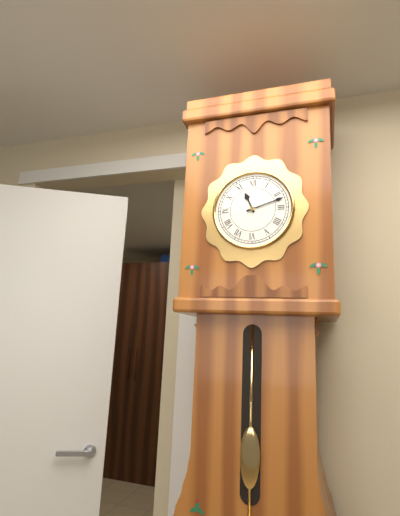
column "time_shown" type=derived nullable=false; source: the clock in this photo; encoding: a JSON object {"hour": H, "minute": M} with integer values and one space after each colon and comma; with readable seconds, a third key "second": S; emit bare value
{"hour": 11, "minute": 12}
